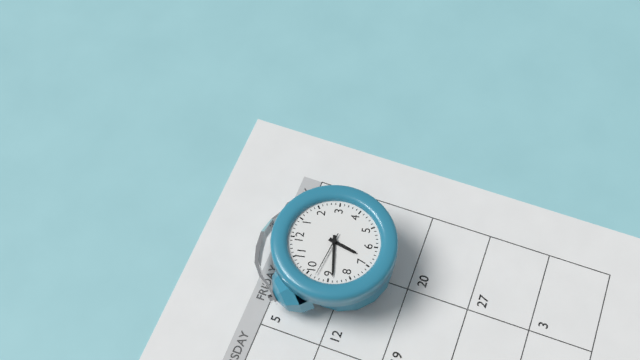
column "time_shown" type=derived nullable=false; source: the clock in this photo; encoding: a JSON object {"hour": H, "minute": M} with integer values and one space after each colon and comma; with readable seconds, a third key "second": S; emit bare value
{"hour": 6, "minute": 44}
